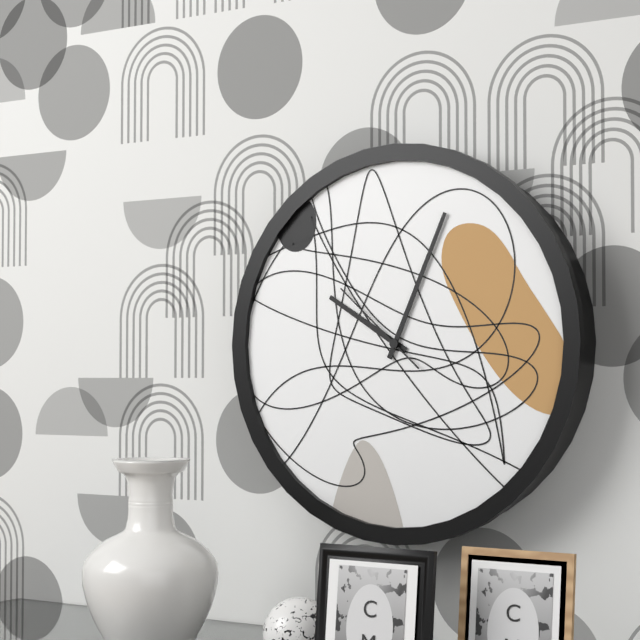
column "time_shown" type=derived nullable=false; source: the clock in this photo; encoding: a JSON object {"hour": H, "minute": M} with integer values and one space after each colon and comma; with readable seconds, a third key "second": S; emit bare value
{"hour": 10, "minute": 4, "second": 52}
